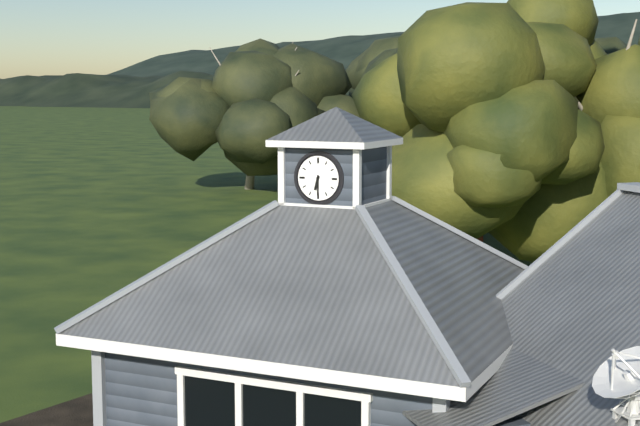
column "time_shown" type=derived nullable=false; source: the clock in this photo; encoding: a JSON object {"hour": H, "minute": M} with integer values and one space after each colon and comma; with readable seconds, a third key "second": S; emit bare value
{"hour": 6, "minute": 30}
